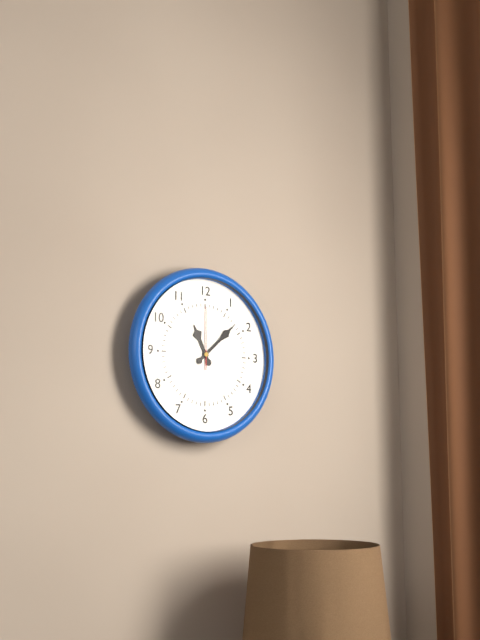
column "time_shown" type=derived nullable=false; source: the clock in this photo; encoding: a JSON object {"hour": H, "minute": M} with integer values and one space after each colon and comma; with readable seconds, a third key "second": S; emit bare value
{"hour": 11, "minute": 8, "second": 0}
